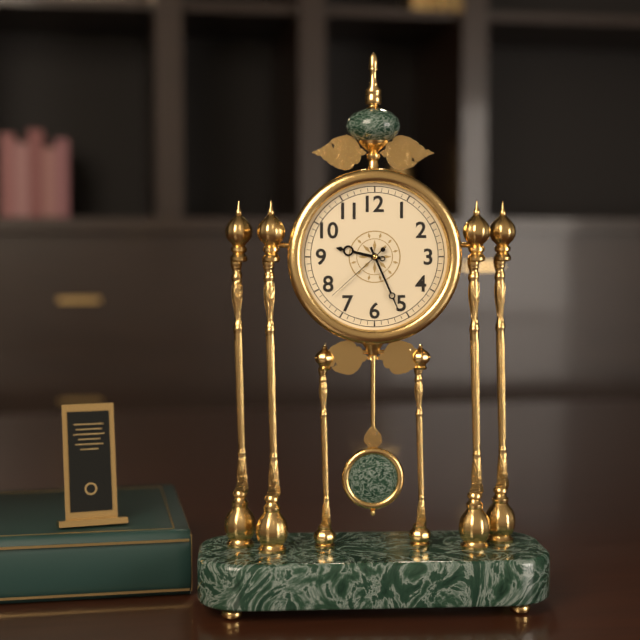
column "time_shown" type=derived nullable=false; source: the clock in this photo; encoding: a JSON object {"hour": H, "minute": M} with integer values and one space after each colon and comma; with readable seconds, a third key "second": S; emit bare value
{"hour": 9, "minute": 26, "second": 38}
